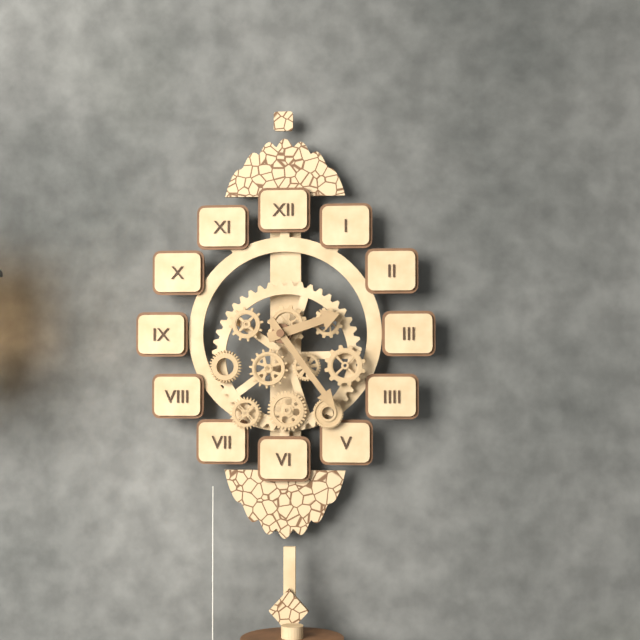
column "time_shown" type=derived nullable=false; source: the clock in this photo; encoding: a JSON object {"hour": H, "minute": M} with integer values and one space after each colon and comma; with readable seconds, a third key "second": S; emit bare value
{"hour": 2, "minute": 24}
